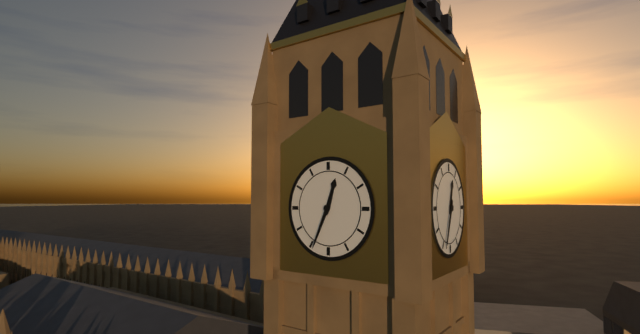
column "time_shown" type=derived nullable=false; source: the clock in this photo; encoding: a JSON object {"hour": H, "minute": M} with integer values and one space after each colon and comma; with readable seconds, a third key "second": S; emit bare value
{"hour": 12, "minute": 34}
